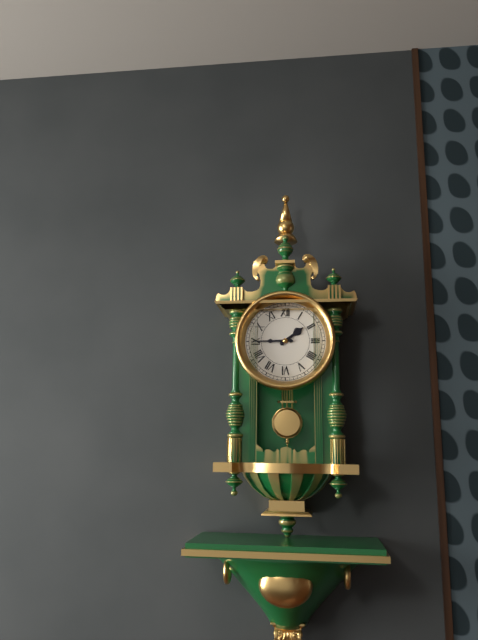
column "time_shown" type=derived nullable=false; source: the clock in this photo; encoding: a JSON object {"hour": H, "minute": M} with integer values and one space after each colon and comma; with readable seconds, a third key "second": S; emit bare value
{"hour": 1, "minute": 45}
